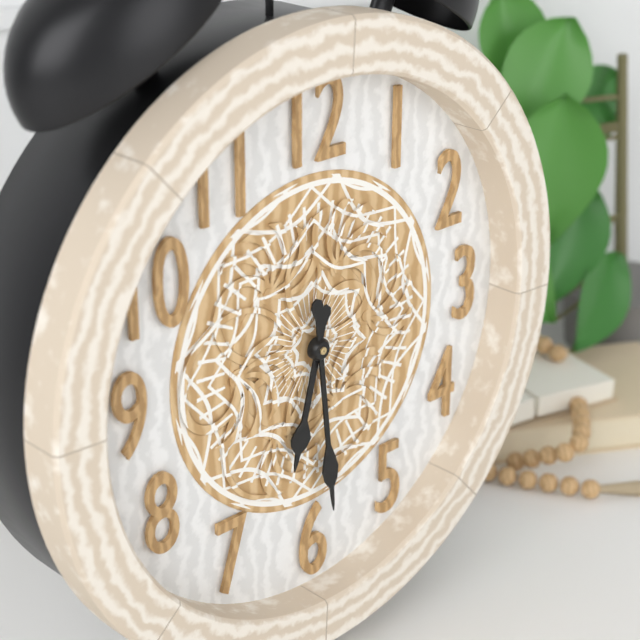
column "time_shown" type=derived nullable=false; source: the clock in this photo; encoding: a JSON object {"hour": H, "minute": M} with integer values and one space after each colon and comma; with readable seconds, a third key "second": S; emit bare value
{"hour": 6, "minute": 29}
